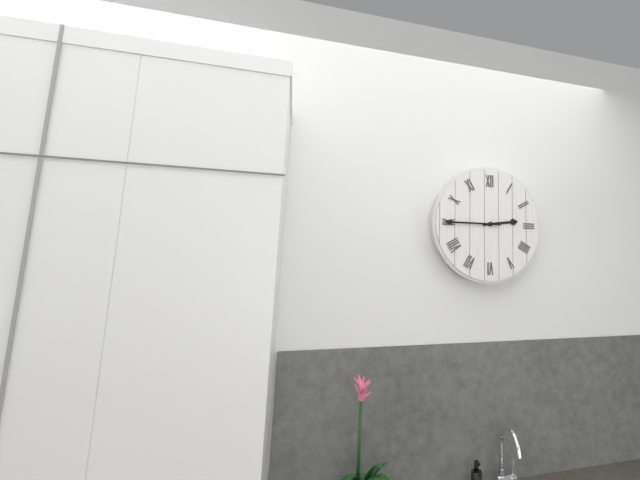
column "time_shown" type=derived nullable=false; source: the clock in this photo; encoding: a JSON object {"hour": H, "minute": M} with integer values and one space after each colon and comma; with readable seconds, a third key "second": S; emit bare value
{"hour": 2, "minute": 45}
